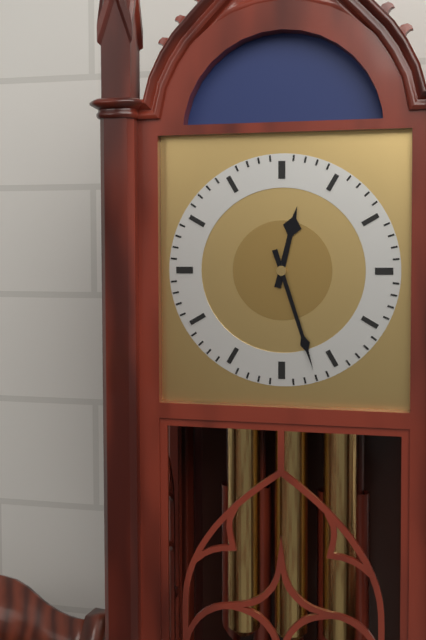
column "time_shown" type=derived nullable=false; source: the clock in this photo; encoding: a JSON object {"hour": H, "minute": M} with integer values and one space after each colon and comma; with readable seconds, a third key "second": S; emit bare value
{"hour": 12, "minute": 27}
